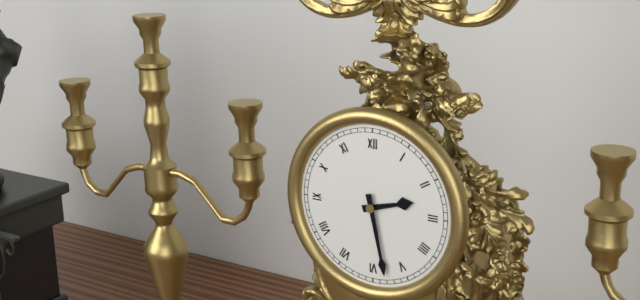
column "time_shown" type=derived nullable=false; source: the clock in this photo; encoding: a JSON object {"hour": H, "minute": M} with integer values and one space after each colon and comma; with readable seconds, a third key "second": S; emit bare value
{"hour": 2, "minute": 28}
